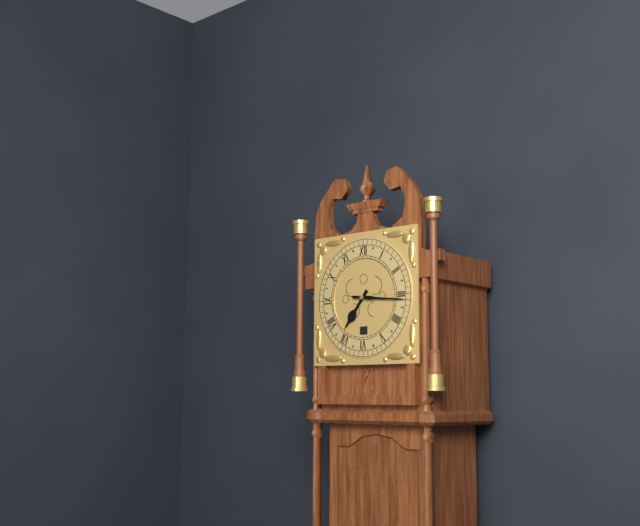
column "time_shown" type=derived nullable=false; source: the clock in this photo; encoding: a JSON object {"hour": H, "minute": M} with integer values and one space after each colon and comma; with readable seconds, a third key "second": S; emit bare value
{"hour": 7, "minute": 16}
